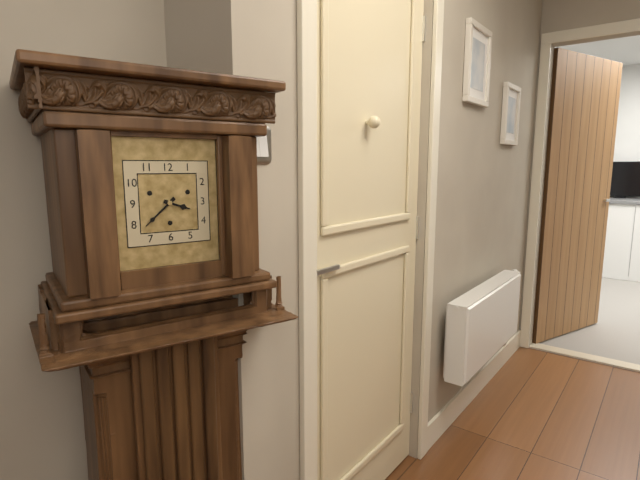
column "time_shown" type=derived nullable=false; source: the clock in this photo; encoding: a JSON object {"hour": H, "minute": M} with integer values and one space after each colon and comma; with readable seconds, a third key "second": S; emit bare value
{"hour": 3, "minute": 38}
